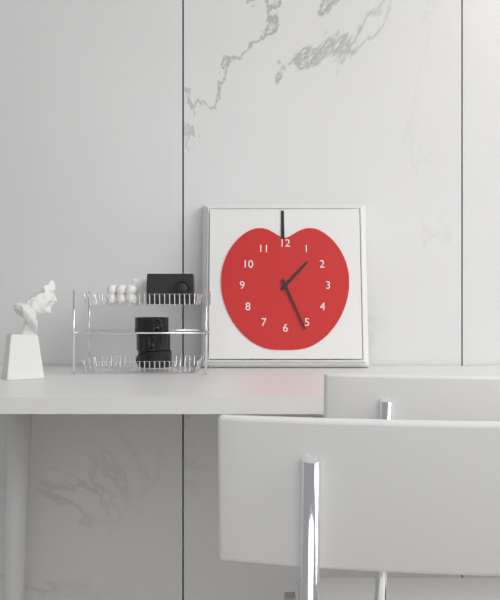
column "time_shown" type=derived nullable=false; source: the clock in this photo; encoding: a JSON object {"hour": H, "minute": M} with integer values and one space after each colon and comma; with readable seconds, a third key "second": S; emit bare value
{"hour": 1, "minute": 26}
